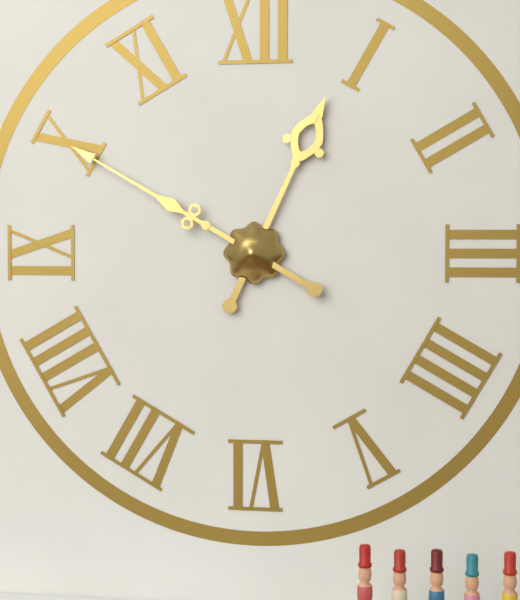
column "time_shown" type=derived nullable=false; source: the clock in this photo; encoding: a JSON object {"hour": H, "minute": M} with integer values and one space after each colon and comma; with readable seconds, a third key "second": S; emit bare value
{"hour": 12, "minute": 50}
